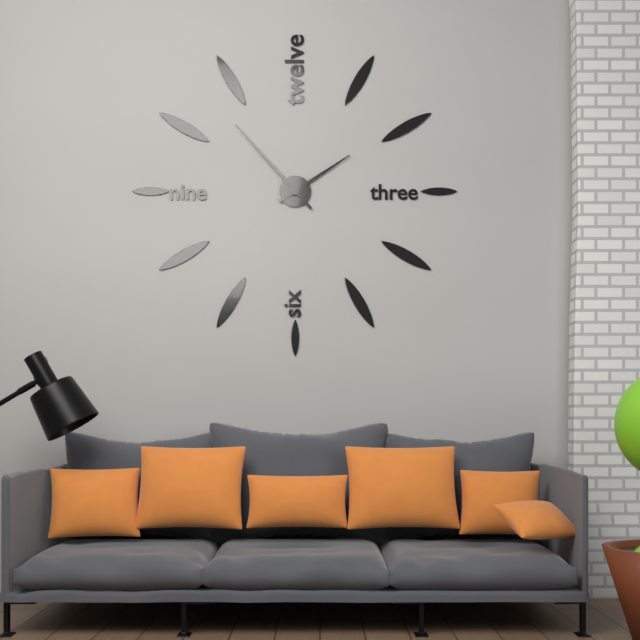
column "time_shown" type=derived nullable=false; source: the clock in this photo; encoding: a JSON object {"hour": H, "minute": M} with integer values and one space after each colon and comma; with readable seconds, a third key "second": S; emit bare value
{"hour": 1, "minute": 53}
